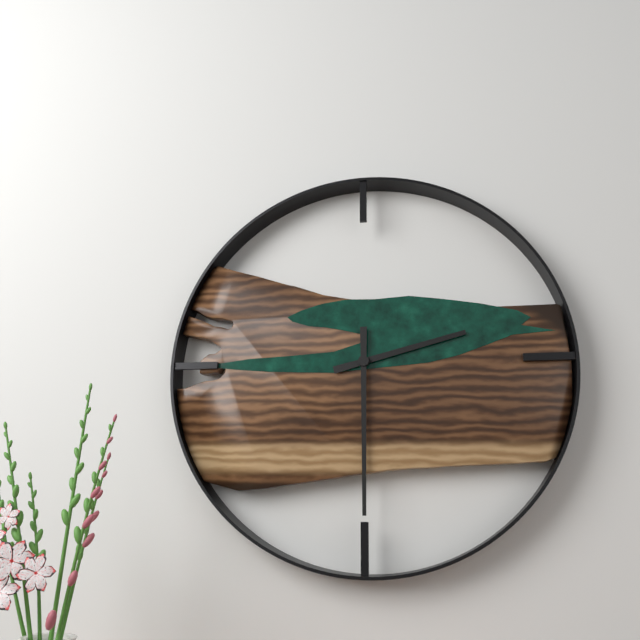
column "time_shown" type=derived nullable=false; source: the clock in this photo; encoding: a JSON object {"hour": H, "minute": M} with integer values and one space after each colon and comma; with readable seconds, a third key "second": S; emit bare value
{"hour": 2, "minute": 30}
